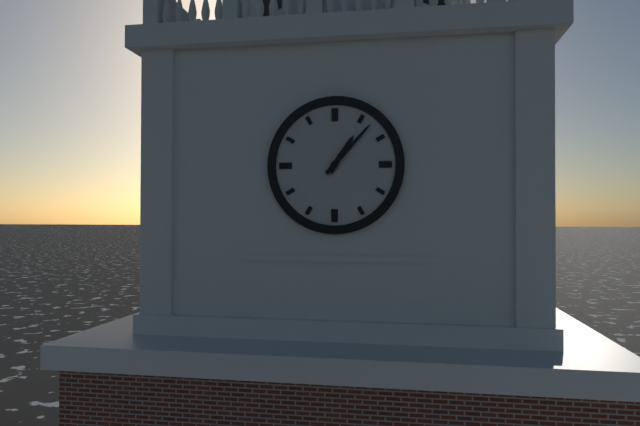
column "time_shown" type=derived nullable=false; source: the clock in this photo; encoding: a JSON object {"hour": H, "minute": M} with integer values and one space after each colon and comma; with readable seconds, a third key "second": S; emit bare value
{"hour": 1, "minute": 7}
